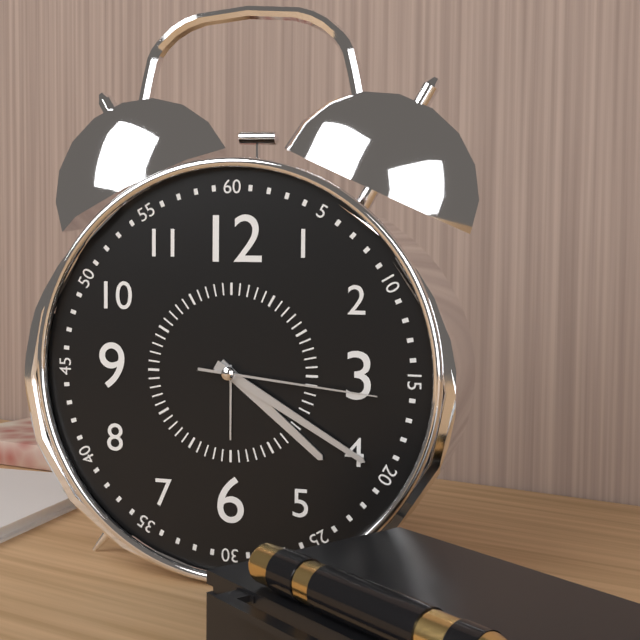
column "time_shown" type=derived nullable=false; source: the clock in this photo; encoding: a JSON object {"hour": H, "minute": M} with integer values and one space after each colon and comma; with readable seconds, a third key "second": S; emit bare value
{"hour": 4, "minute": 20, "second": 16}
